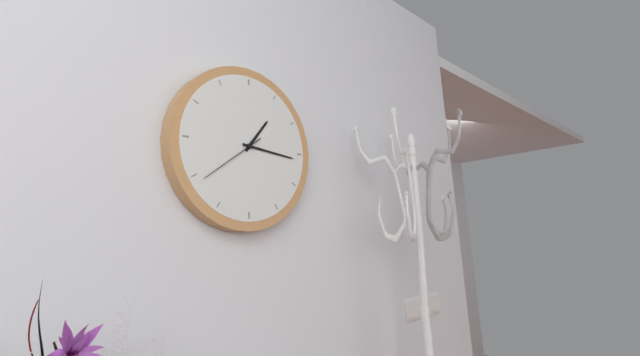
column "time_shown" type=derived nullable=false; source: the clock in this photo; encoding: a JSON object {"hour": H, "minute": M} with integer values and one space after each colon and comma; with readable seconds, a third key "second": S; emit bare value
{"hour": 1, "minute": 16, "second": 39}
